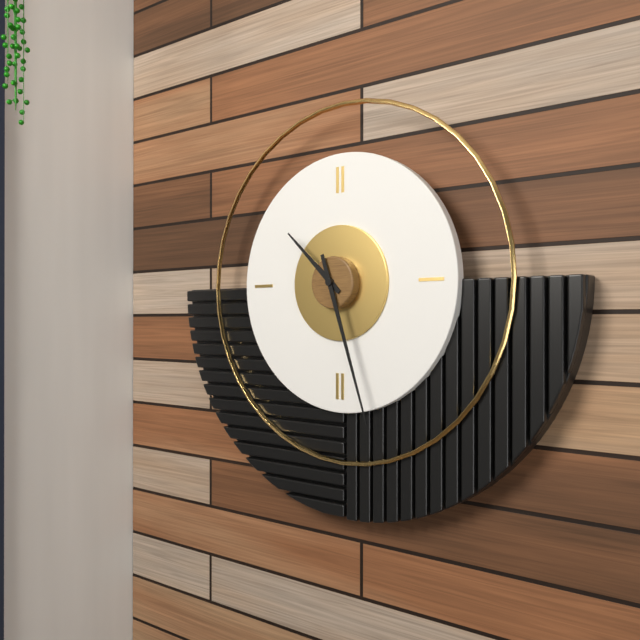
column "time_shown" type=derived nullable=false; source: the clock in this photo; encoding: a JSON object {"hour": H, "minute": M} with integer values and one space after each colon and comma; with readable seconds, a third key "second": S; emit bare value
{"hour": 10, "minute": 27}
